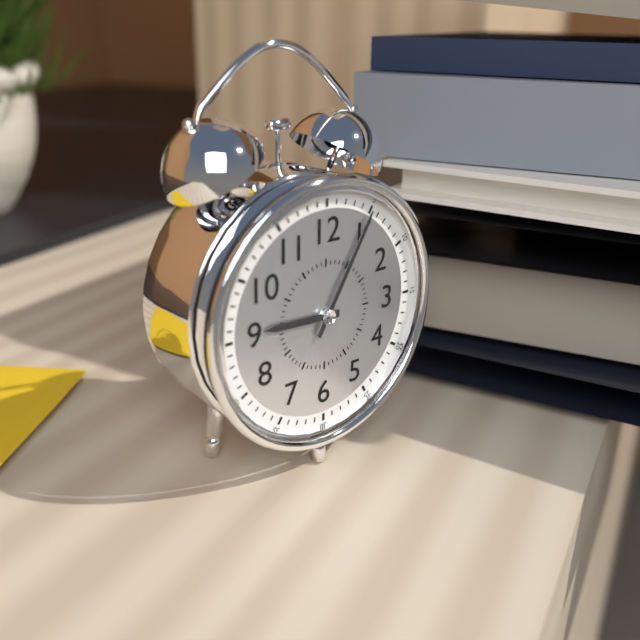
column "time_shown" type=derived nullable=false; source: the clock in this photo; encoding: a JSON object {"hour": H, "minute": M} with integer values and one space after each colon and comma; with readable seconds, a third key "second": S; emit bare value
{"hour": 9, "minute": 5}
